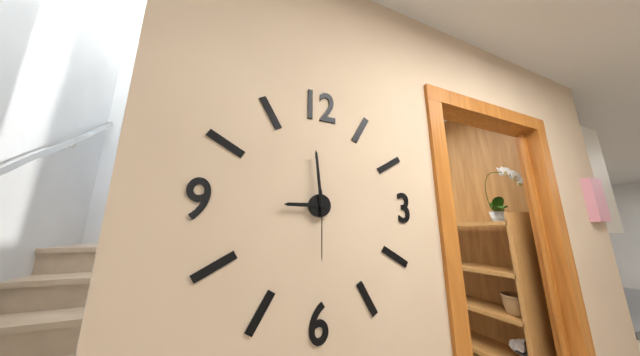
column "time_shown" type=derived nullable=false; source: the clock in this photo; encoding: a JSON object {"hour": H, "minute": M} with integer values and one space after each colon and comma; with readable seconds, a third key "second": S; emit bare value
{"hour": 8, "minute": 59, "second": 30}
